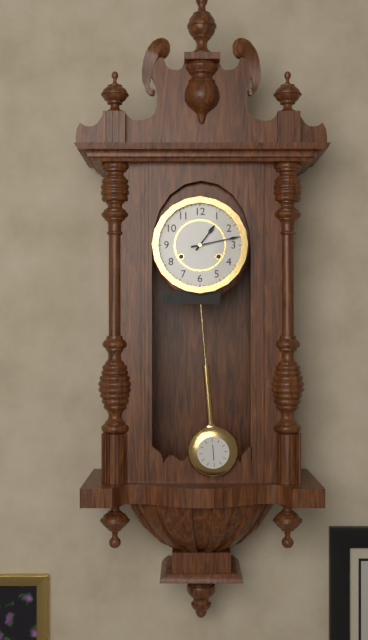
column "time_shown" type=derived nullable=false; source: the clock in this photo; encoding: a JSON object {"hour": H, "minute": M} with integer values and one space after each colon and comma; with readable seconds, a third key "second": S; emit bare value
{"hour": 1, "minute": 13}
